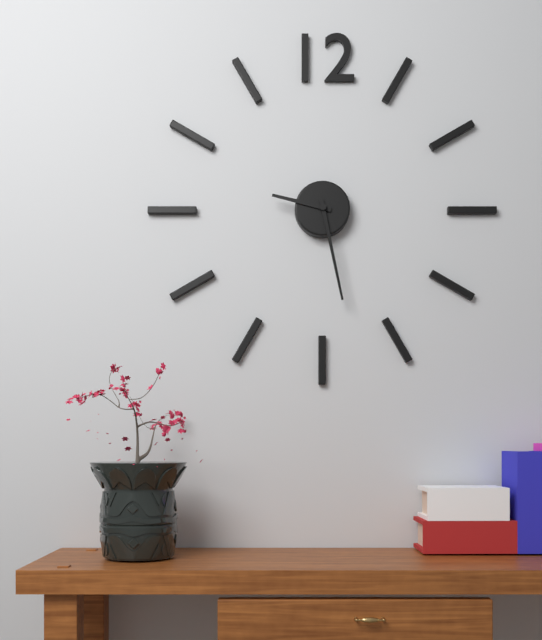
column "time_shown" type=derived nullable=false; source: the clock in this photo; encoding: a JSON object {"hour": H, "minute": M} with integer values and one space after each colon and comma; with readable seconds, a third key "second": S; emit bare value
{"hour": 9, "minute": 28}
